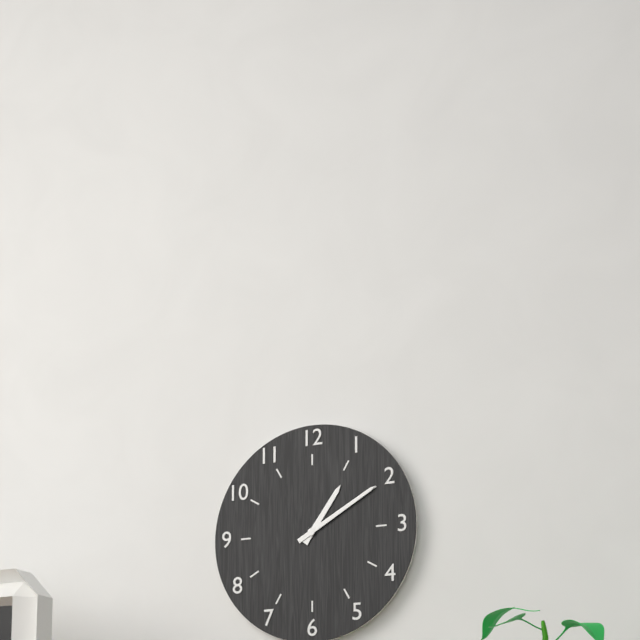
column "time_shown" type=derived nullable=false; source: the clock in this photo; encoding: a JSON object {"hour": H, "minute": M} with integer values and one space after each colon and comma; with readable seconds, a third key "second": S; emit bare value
{"hour": 1, "minute": 10}
